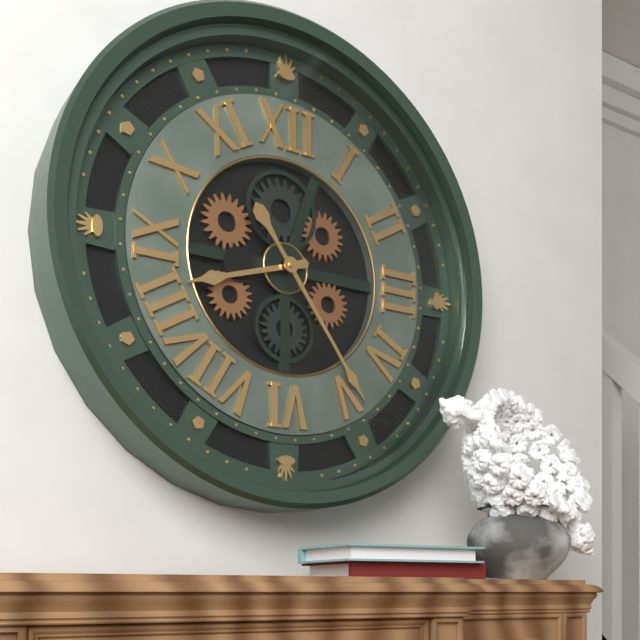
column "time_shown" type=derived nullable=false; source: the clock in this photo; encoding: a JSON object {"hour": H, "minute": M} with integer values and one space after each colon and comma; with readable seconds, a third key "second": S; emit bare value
{"hour": 8, "minute": 24}
